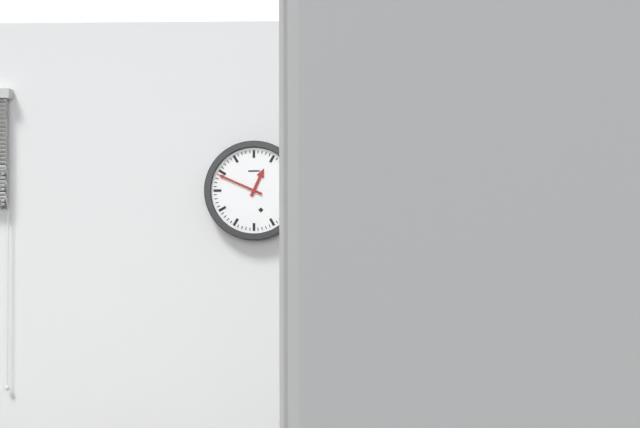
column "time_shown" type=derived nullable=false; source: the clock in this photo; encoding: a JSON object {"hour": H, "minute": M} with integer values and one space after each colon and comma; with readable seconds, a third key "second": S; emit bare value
{"hour": 12, "minute": 49}
